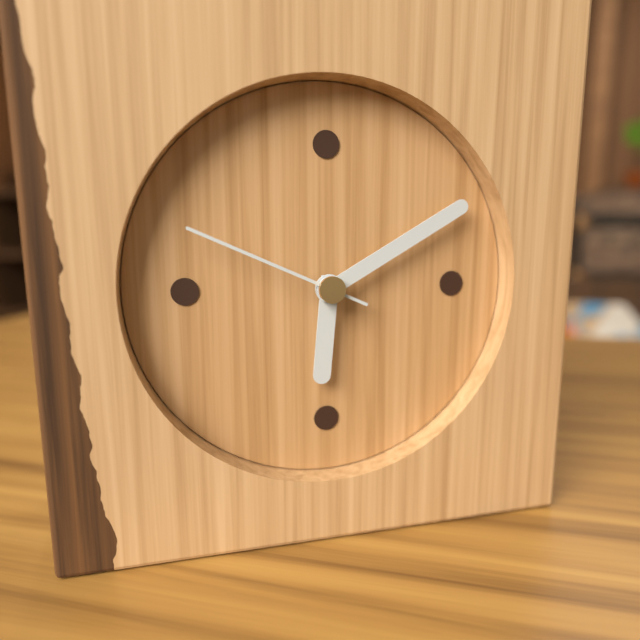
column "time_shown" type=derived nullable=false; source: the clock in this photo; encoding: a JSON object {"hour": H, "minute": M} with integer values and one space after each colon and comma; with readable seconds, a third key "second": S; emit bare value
{"hour": 6, "minute": 10, "second": 49}
